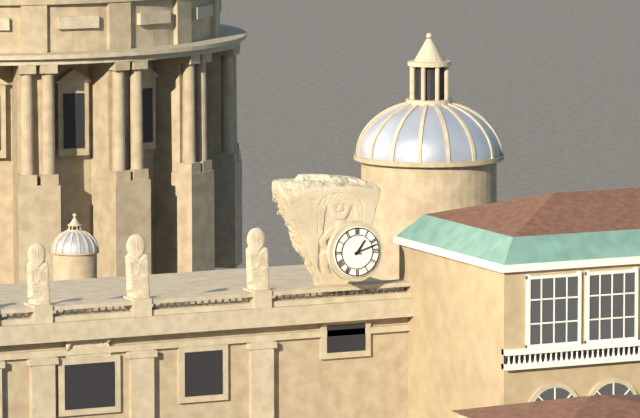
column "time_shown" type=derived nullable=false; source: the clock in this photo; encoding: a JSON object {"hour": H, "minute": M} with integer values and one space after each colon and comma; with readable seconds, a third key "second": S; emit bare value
{"hour": 1, "minute": 12}
